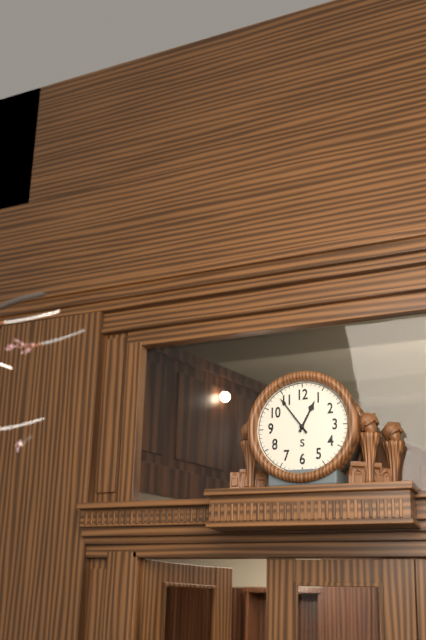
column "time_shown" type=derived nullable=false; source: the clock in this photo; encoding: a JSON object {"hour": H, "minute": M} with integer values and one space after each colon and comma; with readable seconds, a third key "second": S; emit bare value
{"hour": 12, "minute": 54}
